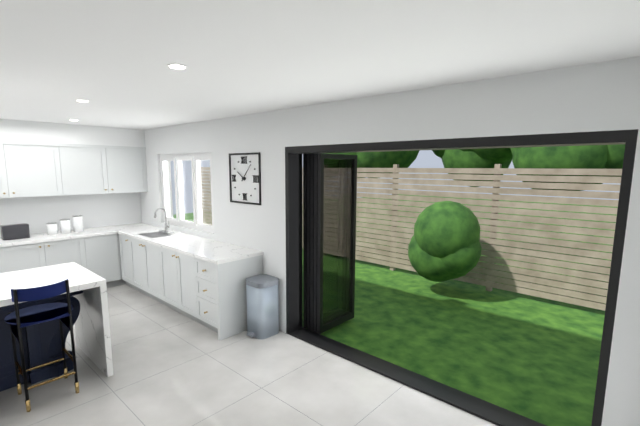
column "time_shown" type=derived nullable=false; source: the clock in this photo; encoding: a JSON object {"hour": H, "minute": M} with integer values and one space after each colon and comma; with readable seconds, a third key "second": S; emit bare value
{"hour": 10, "minute": 7}
